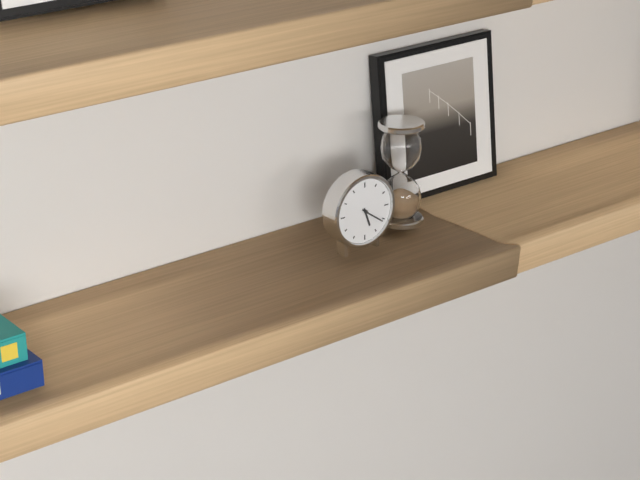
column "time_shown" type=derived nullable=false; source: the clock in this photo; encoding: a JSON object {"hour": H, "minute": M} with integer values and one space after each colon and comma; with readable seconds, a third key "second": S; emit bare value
{"hour": 5, "minute": 21}
